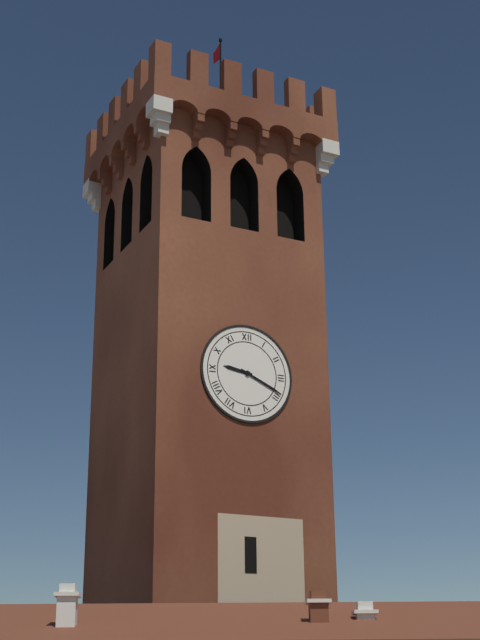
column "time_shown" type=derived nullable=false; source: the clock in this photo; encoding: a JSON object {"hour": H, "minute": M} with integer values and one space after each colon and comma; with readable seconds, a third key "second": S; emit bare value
{"hour": 9, "minute": 19}
